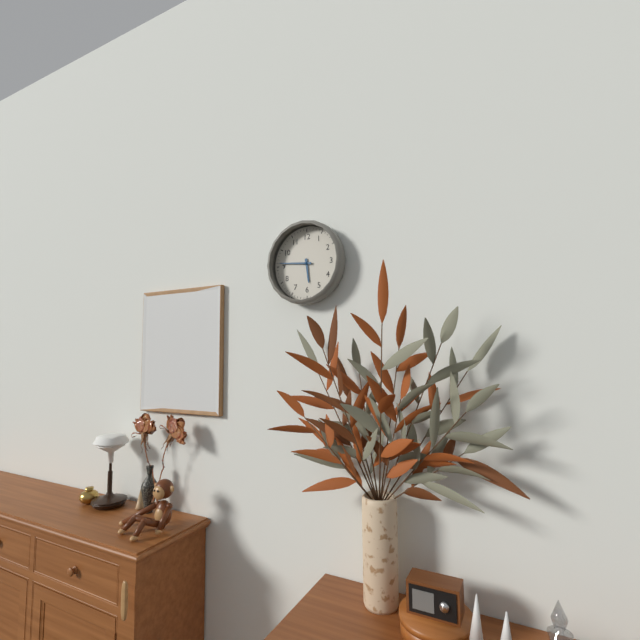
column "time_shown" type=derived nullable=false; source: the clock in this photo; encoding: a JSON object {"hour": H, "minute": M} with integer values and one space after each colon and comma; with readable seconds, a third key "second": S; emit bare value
{"hour": 5, "minute": 46}
